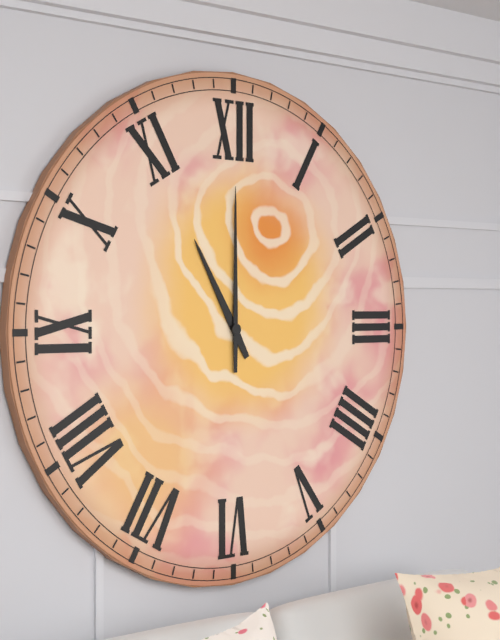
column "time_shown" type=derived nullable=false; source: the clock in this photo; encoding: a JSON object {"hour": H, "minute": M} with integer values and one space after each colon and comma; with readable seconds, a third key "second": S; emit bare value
{"hour": 11, "minute": 0}
